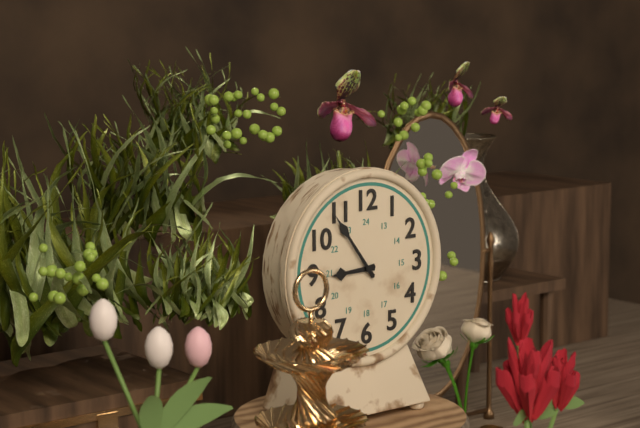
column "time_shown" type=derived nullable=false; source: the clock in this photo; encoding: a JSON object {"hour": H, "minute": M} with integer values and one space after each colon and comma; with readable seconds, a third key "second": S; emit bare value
{"hour": 8, "minute": 54}
